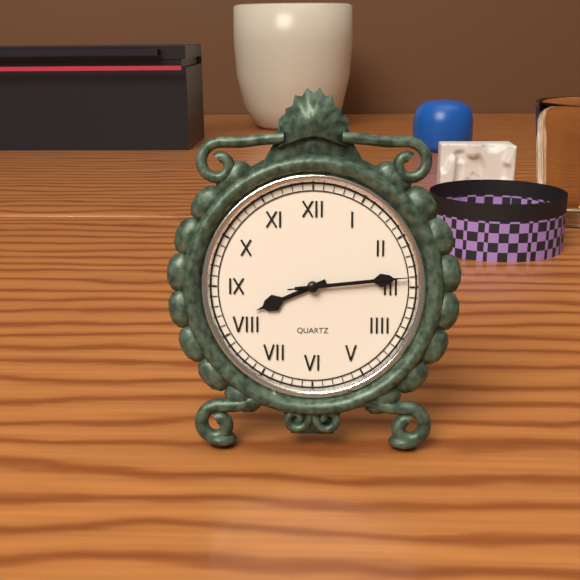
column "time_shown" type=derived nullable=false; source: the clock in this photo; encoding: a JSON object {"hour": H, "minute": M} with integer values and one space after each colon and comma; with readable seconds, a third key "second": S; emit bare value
{"hour": 8, "minute": 14, "second": 14}
